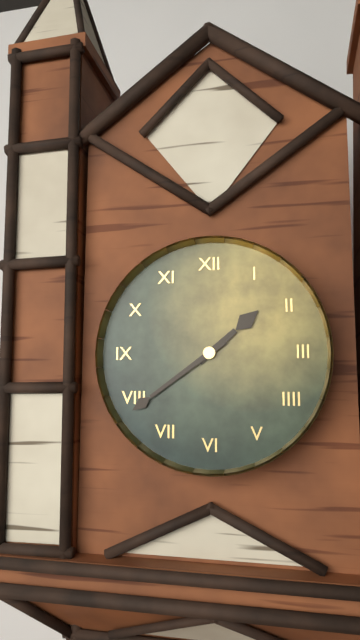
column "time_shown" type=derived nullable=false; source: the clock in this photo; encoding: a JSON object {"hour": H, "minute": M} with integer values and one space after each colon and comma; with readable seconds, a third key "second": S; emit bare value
{"hour": 1, "minute": 39}
